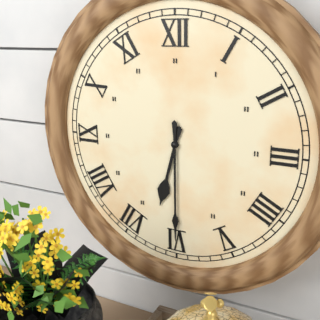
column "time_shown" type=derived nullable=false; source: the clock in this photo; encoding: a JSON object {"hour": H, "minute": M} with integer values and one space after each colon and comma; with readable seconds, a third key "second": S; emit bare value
{"hour": 6, "minute": 30}
